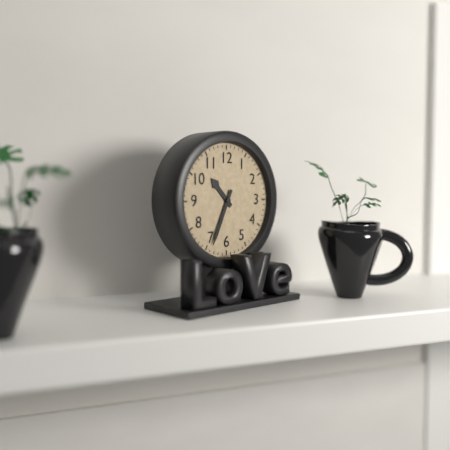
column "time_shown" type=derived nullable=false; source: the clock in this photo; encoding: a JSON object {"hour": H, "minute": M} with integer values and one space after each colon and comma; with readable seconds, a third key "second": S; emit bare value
{"hour": 10, "minute": 34}
